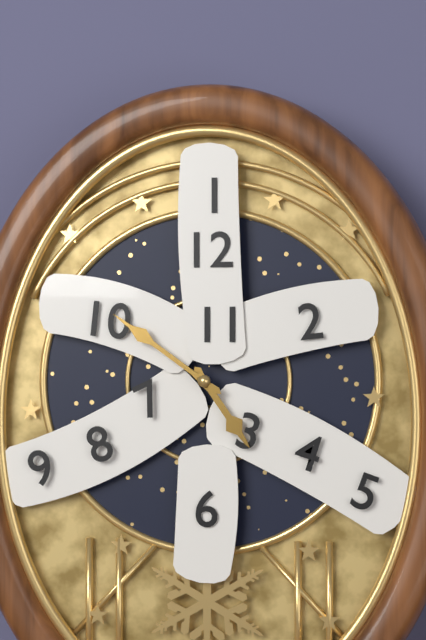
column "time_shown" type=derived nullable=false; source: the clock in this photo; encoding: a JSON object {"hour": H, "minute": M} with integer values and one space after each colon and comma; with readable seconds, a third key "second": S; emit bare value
{"hour": 4, "minute": 51}
